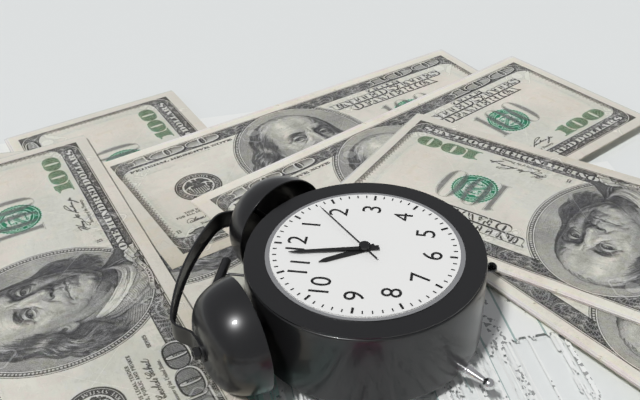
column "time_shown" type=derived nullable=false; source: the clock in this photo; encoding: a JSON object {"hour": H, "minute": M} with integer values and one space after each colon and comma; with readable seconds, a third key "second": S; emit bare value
{"hour": 10, "minute": 58, "second": 8}
